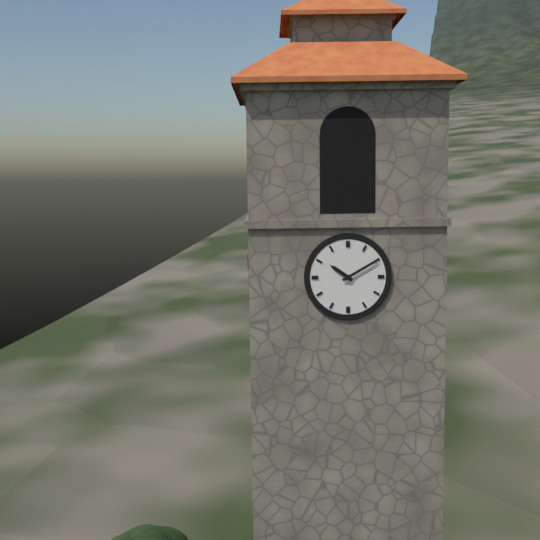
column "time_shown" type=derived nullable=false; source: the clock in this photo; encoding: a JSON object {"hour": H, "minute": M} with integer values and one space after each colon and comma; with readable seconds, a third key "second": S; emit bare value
{"hour": 10, "minute": 10}
